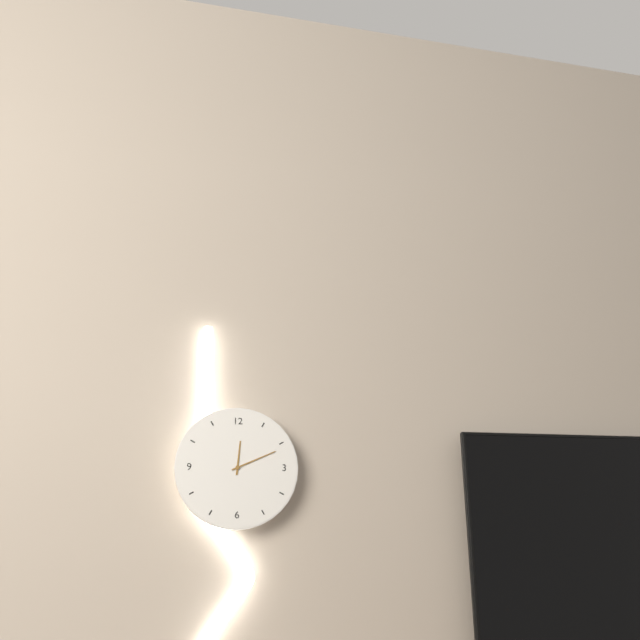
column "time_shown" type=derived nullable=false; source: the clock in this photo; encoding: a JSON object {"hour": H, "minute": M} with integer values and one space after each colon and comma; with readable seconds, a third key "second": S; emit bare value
{"hour": 12, "minute": 11}
